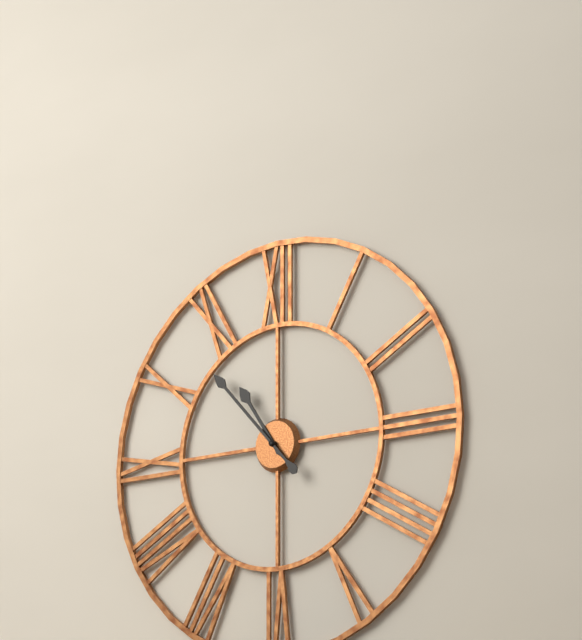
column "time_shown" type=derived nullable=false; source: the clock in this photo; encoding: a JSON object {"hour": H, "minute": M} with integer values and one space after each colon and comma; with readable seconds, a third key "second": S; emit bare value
{"hour": 10, "minute": 53}
